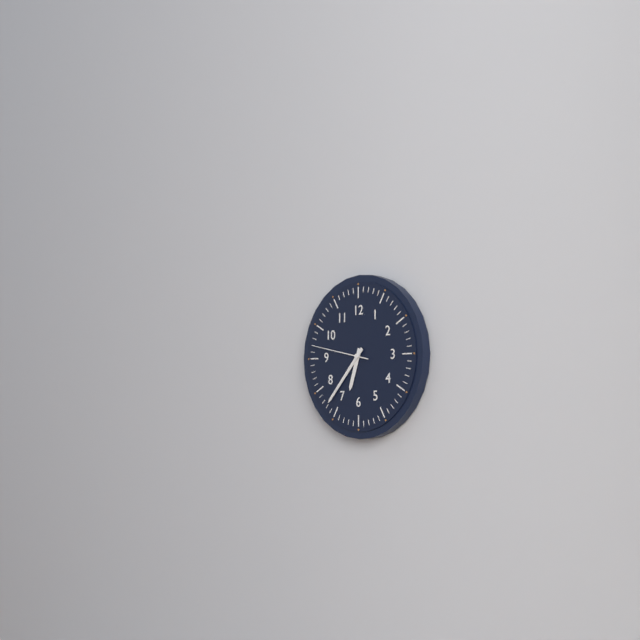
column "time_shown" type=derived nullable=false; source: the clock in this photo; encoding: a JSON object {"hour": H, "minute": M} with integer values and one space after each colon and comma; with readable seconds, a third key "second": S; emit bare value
{"hour": 6, "minute": 37, "second": 47}
